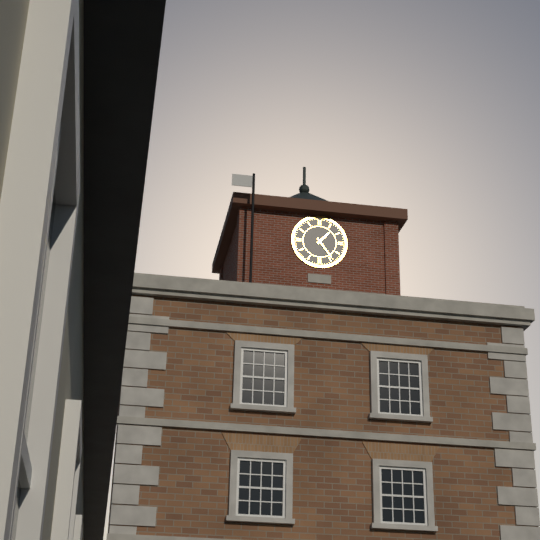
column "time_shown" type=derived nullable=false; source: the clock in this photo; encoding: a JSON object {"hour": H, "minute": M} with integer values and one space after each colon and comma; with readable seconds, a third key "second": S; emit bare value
{"hour": 1, "minute": 24}
